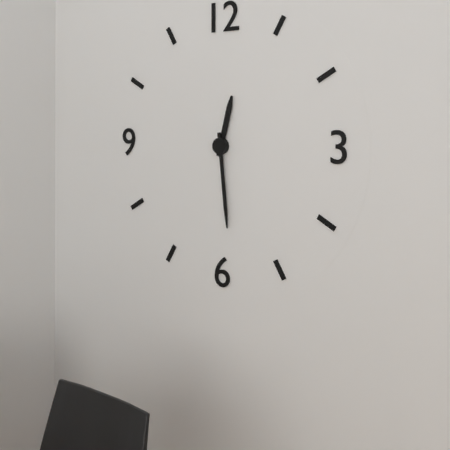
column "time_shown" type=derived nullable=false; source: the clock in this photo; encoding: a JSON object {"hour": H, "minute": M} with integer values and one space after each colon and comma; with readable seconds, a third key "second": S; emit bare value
{"hour": 12, "minute": 29}
